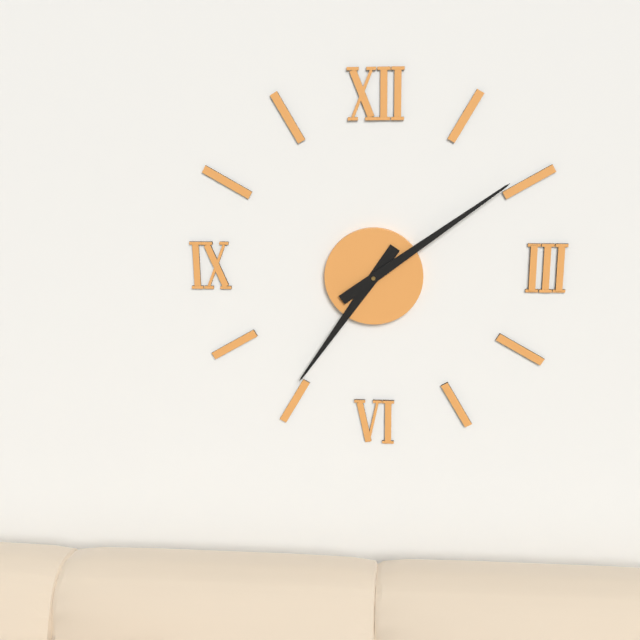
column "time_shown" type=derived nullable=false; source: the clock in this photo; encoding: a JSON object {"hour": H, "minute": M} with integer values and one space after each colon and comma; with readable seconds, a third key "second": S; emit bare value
{"hour": 7, "minute": 9}
